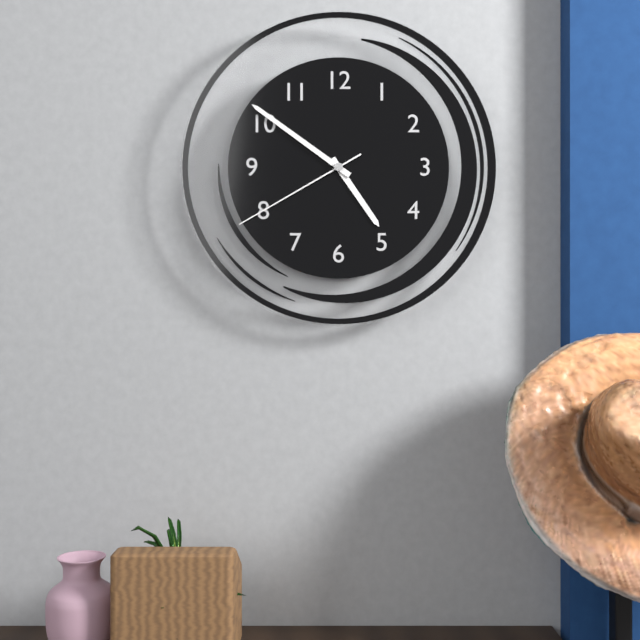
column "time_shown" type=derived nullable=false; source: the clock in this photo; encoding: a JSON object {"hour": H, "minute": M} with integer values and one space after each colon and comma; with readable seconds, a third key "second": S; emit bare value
{"hour": 4, "minute": 51, "second": 40}
